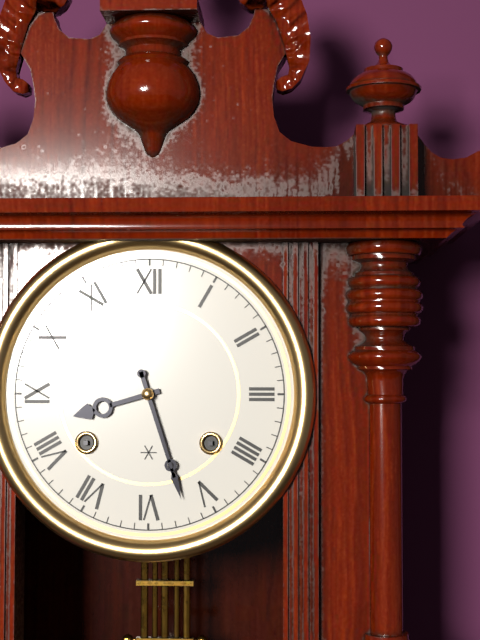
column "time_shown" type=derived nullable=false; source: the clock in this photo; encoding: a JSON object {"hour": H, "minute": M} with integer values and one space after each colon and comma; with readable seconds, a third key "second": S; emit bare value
{"hour": 8, "minute": 27}
